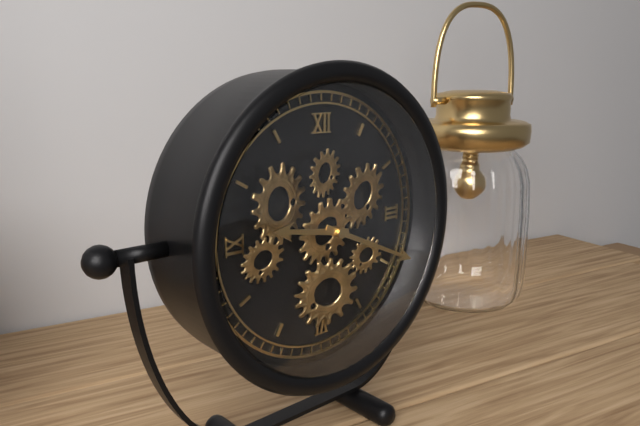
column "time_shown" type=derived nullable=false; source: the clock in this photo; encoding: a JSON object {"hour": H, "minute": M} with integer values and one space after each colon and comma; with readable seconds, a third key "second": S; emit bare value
{"hour": 9, "minute": 19}
